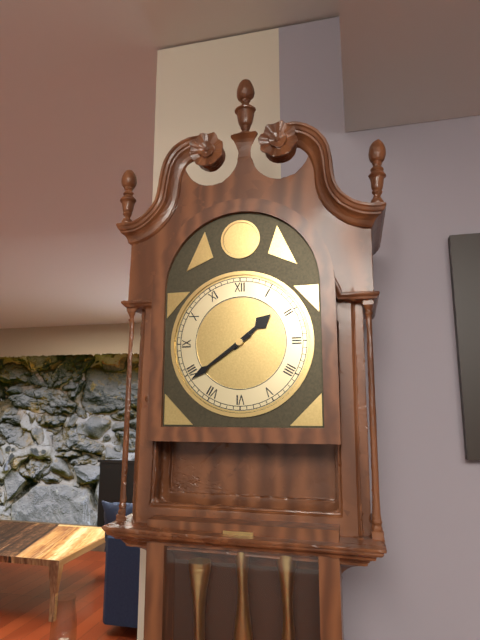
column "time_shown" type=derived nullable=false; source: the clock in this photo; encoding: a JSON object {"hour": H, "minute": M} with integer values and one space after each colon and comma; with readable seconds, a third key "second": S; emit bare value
{"hour": 1, "minute": 39}
